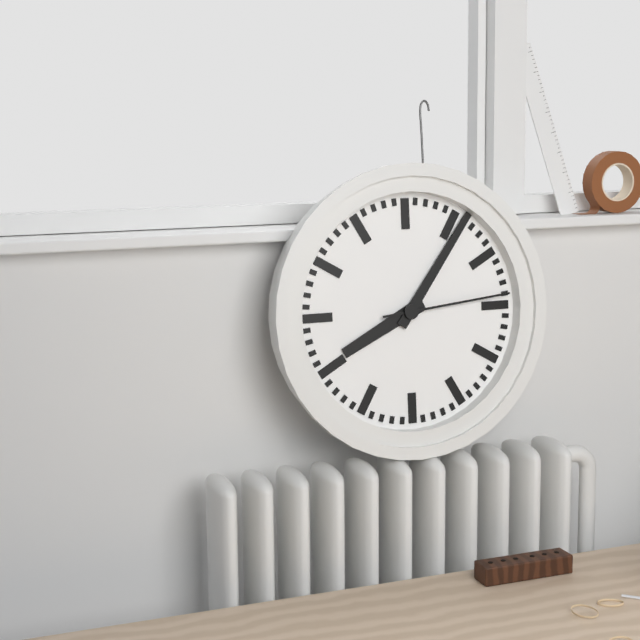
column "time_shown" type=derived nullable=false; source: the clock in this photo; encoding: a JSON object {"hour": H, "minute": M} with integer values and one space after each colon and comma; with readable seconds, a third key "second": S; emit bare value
{"hour": 8, "minute": 6, "second": 14}
